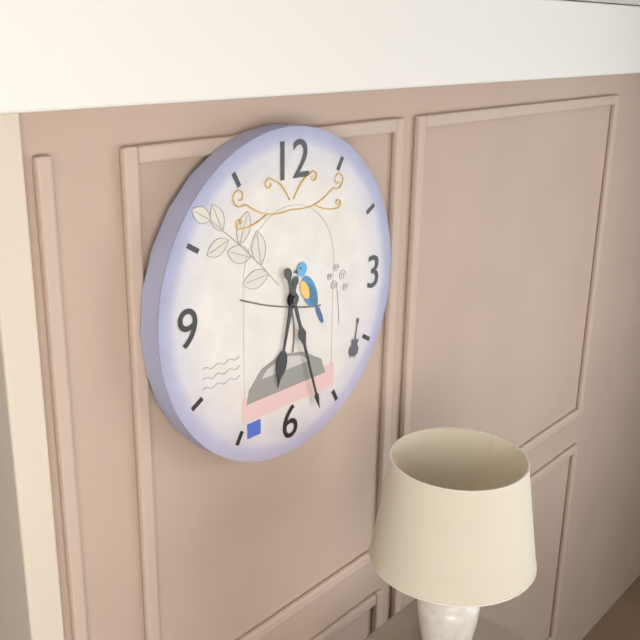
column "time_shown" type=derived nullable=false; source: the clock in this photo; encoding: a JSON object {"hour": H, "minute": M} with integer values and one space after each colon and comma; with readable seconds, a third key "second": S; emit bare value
{"hour": 6, "minute": 27}
